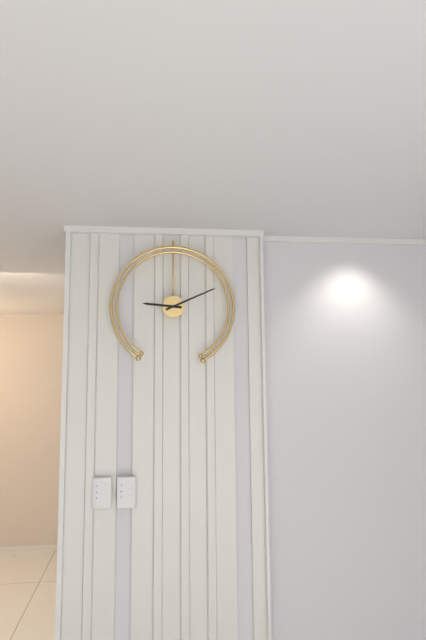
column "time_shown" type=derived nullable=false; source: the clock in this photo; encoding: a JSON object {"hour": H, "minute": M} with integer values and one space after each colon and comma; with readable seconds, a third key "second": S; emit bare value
{"hour": 9, "minute": 11}
